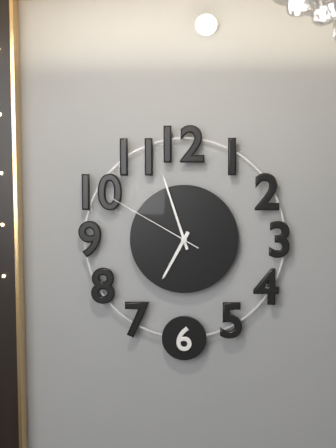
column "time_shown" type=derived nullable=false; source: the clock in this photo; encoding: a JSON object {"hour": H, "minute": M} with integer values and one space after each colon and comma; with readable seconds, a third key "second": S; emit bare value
{"hour": 6, "minute": 57, "second": 50}
